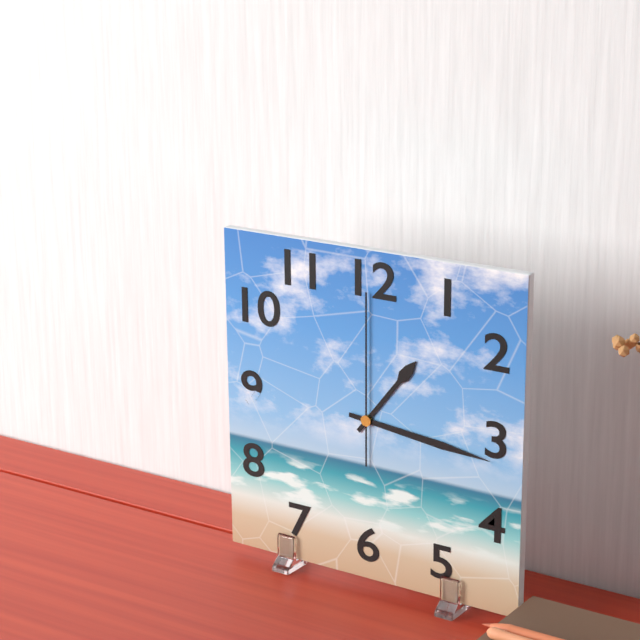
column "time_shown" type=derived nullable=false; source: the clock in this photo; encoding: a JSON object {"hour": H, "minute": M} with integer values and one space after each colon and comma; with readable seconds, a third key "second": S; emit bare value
{"hour": 1, "minute": 16, "second": 0}
